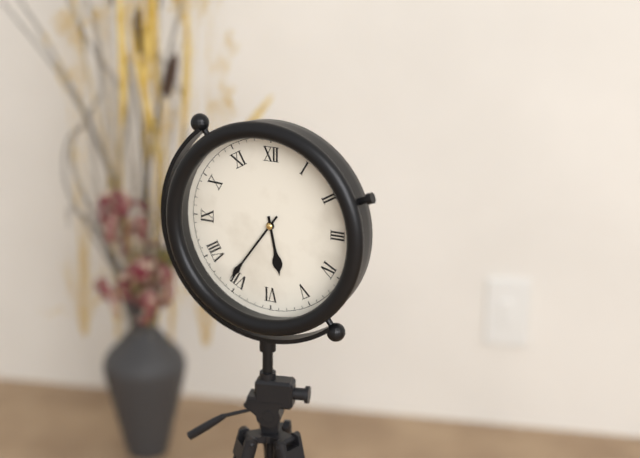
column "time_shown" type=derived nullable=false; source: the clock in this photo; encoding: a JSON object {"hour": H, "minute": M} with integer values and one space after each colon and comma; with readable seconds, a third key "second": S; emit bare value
{"hour": 5, "minute": 36}
